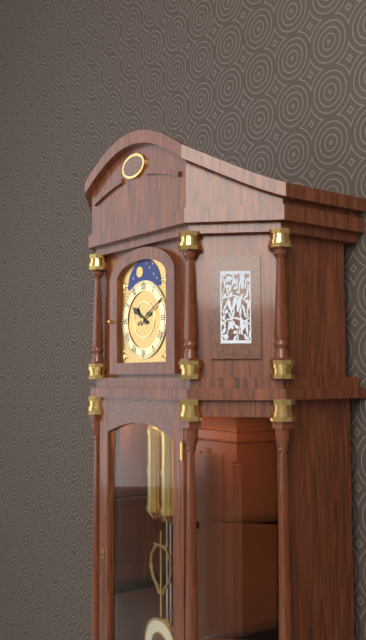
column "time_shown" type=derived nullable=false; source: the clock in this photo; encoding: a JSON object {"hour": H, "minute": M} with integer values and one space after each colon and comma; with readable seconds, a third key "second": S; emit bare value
{"hour": 10, "minute": 10}
